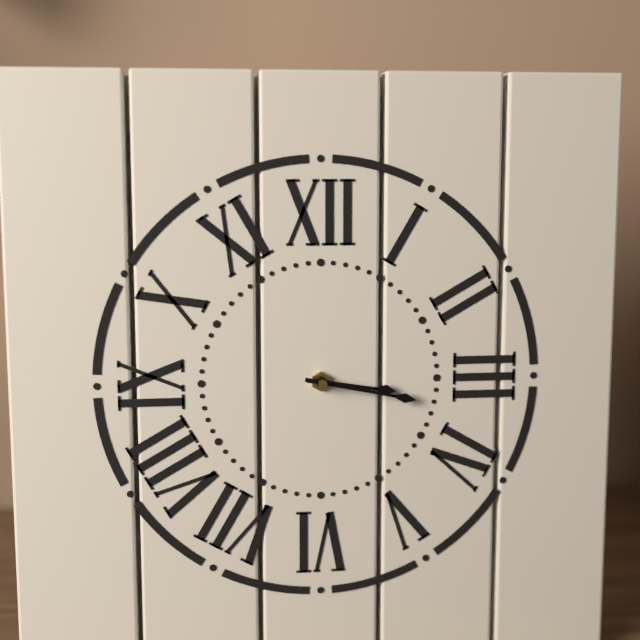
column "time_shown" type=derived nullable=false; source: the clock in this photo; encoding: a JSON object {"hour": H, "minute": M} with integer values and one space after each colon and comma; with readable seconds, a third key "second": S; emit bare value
{"hour": 3, "minute": 17}
